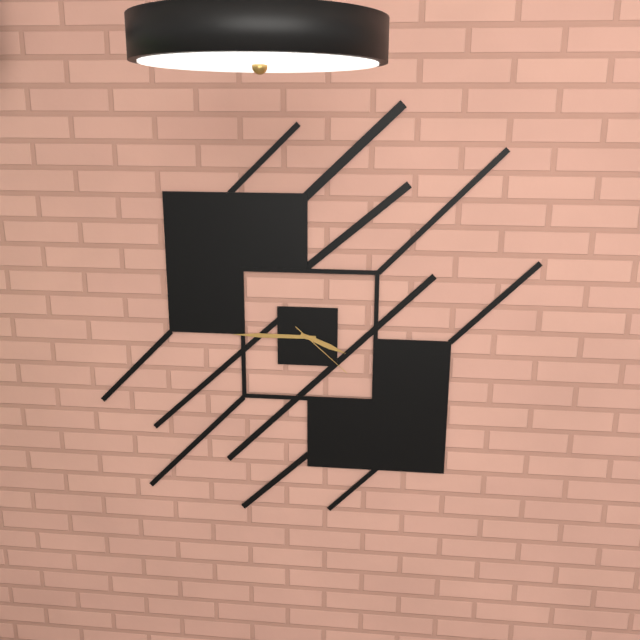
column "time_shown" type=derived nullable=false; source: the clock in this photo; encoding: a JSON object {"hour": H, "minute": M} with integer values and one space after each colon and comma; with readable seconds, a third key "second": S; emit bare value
{"hour": 3, "minute": 45, "second": 22}
